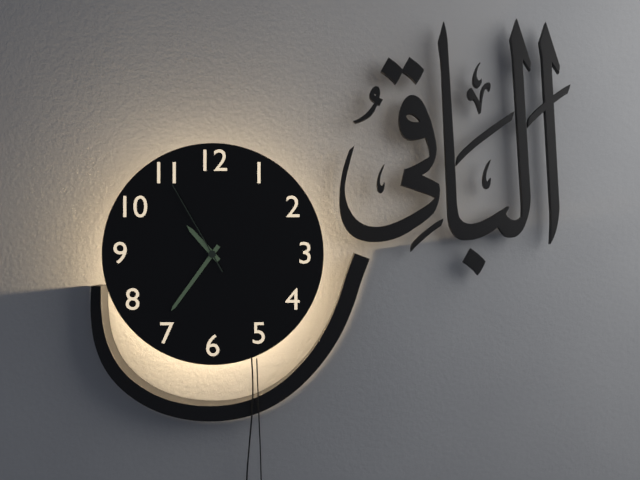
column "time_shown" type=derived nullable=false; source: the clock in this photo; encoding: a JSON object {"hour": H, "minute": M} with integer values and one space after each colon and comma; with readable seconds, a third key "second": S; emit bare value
{"hour": 10, "minute": 36, "second": 55}
